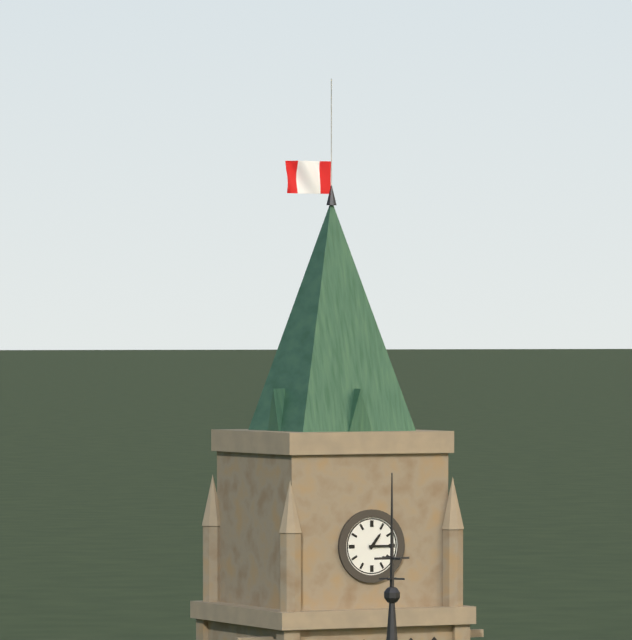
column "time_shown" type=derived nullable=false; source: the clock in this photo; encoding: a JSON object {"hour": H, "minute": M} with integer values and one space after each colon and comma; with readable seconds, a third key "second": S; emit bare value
{"hour": 1, "minute": 15}
